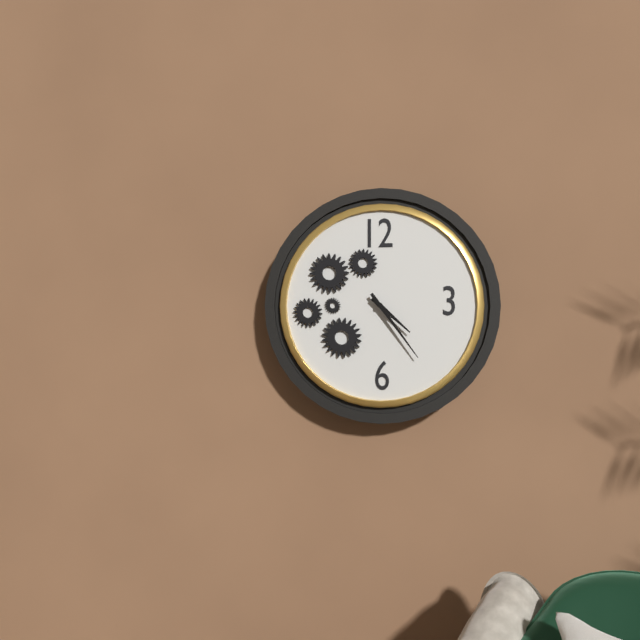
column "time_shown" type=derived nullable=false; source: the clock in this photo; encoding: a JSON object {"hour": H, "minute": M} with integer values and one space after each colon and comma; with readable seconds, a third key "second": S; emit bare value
{"hour": 4, "minute": 24}
